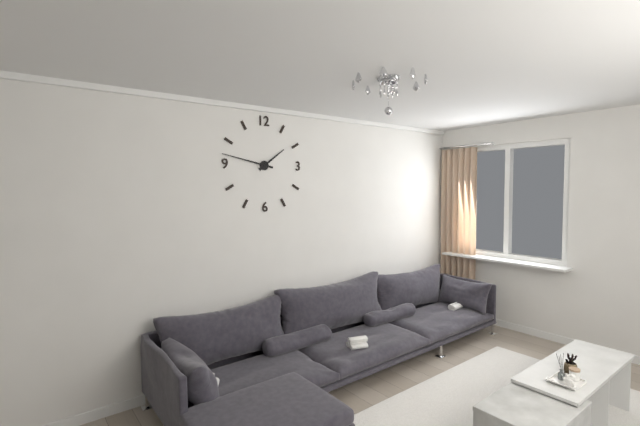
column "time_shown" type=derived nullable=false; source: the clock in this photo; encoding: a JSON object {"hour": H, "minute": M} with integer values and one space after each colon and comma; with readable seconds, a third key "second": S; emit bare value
{"hour": 1, "minute": 47}
